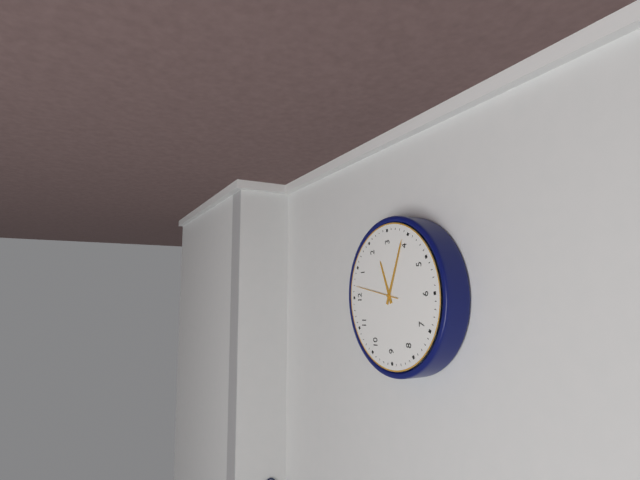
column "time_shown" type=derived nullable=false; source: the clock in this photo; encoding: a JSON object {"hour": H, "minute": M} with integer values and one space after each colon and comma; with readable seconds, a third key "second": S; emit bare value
{"hour": 2, "minute": 19}
